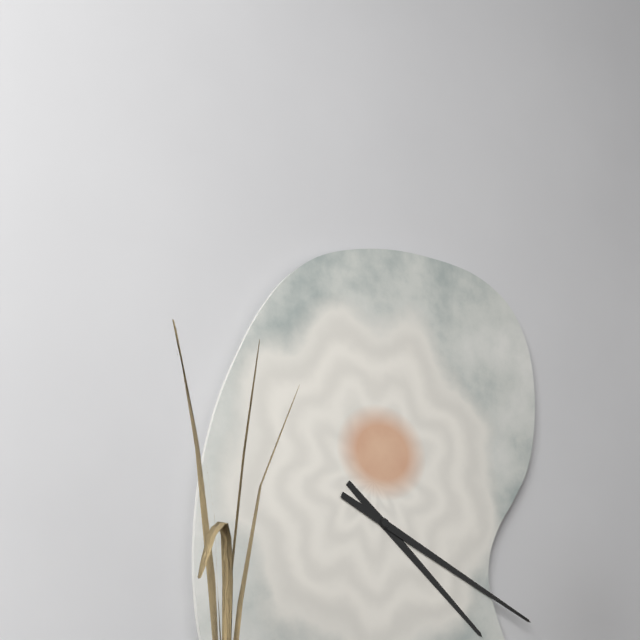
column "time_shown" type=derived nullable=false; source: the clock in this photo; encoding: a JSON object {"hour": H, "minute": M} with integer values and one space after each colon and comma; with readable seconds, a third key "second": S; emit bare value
{"hour": 4, "minute": 19}
